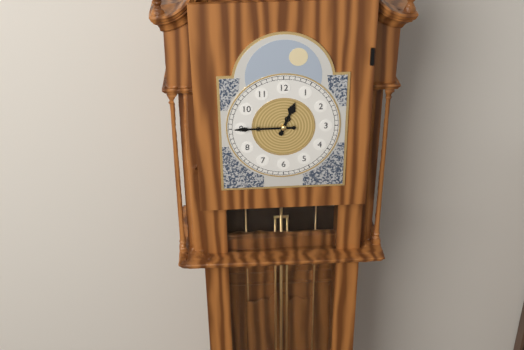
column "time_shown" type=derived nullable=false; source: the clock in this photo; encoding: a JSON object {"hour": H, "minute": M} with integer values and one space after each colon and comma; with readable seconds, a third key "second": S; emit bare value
{"hour": 12, "minute": 45}
